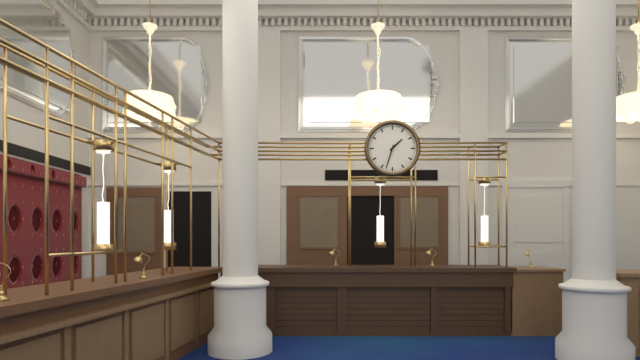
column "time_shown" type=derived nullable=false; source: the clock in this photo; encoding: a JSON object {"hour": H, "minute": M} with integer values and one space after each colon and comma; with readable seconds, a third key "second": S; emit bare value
{"hour": 1, "minute": 33}
